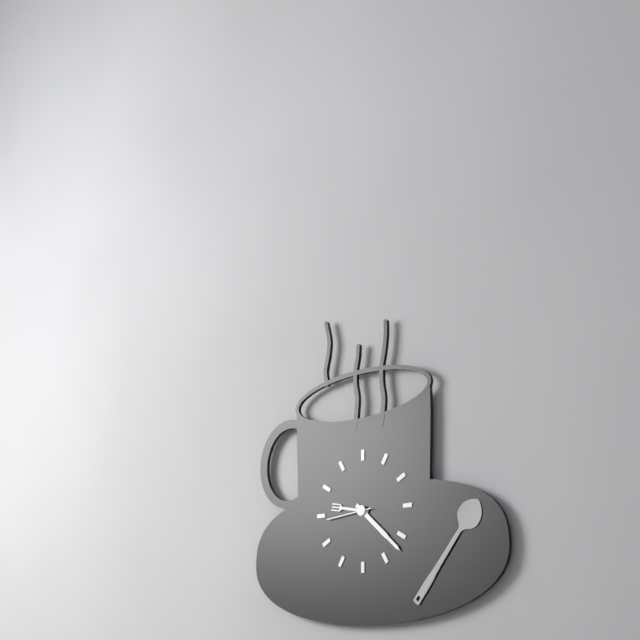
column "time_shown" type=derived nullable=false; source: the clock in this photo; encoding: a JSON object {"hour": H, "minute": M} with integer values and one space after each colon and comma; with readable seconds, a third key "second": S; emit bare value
{"hour": 9, "minute": 22, "second": 44}
